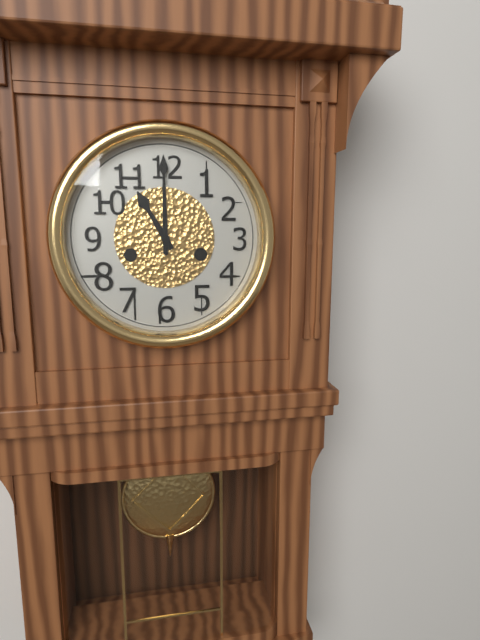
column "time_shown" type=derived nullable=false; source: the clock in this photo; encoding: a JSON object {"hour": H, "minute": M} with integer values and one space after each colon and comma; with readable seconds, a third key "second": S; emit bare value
{"hour": 11, "minute": 0}
